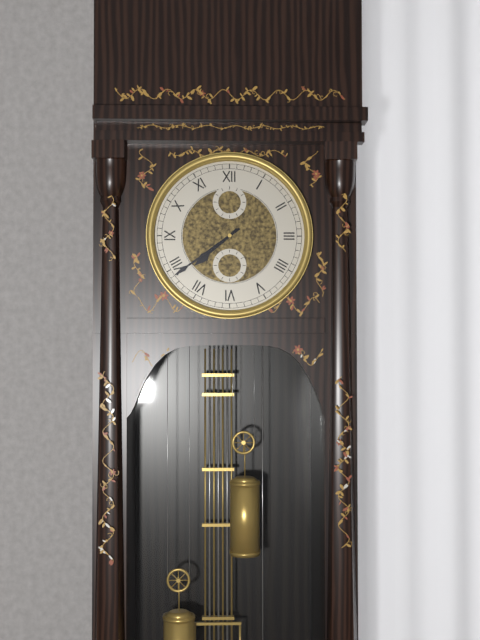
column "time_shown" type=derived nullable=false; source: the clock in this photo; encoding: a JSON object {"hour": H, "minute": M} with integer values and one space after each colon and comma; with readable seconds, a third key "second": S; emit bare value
{"hour": 7, "minute": 39}
